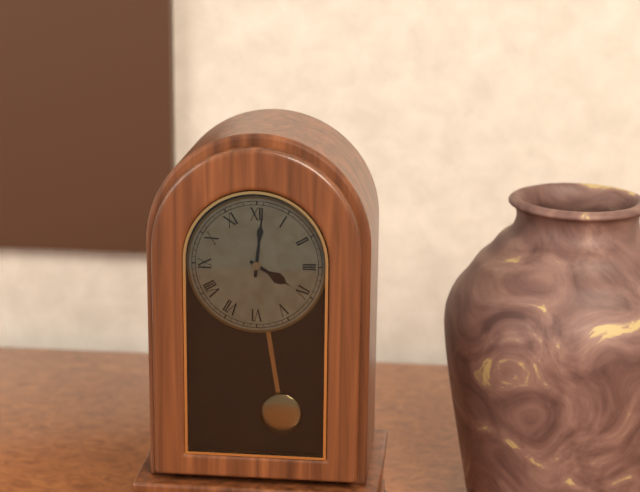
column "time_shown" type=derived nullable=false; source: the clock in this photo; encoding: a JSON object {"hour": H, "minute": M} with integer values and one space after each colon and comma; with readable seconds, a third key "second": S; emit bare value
{"hour": 4, "minute": 1}
